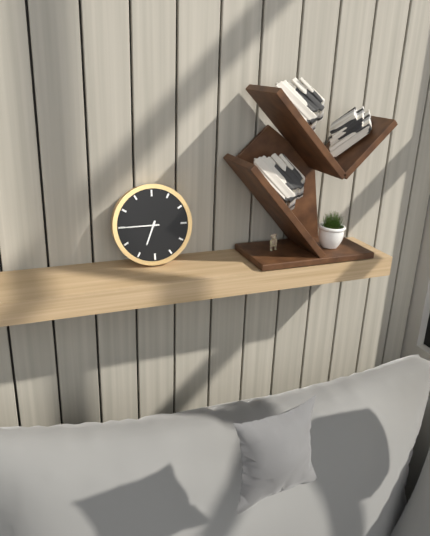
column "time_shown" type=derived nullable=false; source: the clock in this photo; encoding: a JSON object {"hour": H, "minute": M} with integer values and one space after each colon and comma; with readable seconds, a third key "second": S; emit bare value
{"hour": 6, "minute": 45}
